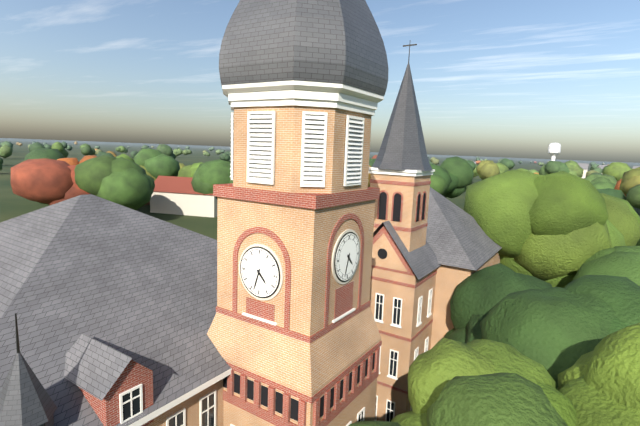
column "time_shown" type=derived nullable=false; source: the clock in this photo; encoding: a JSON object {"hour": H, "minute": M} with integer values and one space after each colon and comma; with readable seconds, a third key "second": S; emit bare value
{"hour": 4, "minute": 33}
